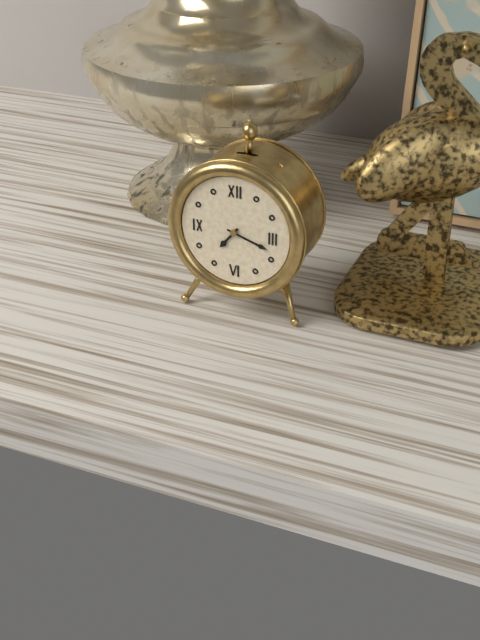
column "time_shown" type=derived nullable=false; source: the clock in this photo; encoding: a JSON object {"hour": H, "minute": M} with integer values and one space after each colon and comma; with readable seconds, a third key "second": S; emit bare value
{"hour": 7, "minute": 18}
